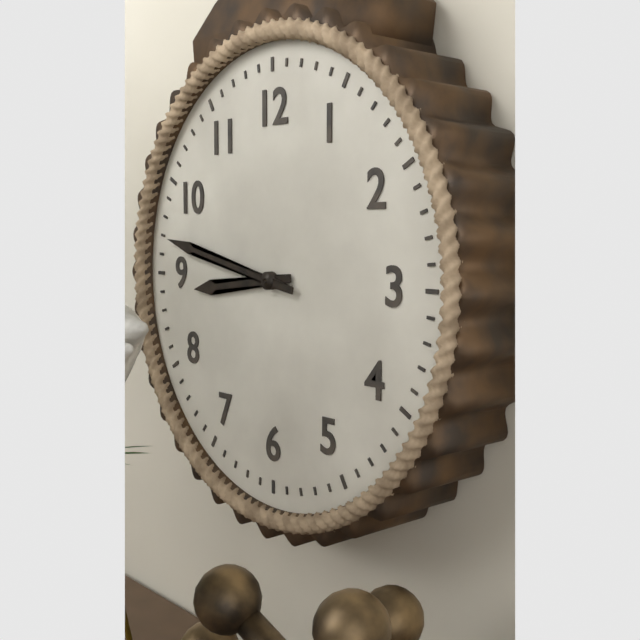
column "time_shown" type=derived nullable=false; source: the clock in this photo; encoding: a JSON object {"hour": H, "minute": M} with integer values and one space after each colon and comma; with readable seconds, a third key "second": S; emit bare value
{"hour": 8, "minute": 47}
